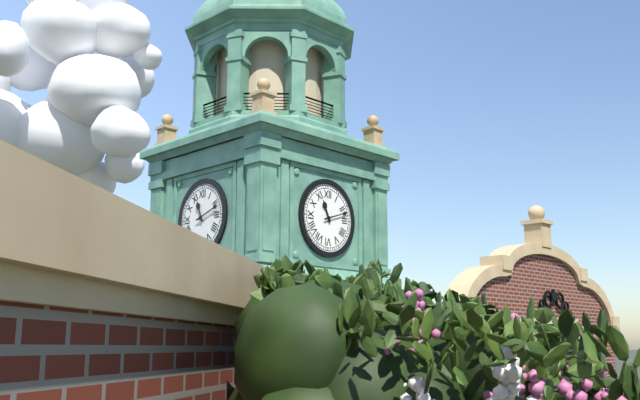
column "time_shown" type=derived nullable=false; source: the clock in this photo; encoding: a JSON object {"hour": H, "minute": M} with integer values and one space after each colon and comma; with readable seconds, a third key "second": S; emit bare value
{"hour": 11, "minute": 12}
